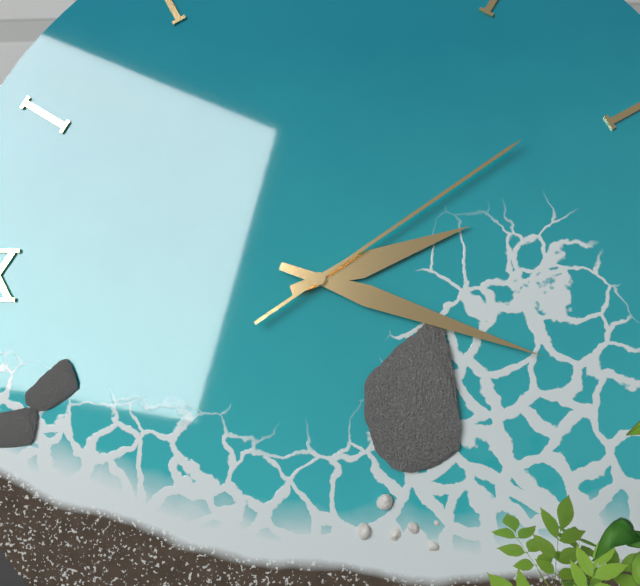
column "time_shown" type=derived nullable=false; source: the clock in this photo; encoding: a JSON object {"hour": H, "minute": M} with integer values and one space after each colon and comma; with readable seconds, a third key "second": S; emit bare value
{"hour": 2, "minute": 18, "second": 9}
